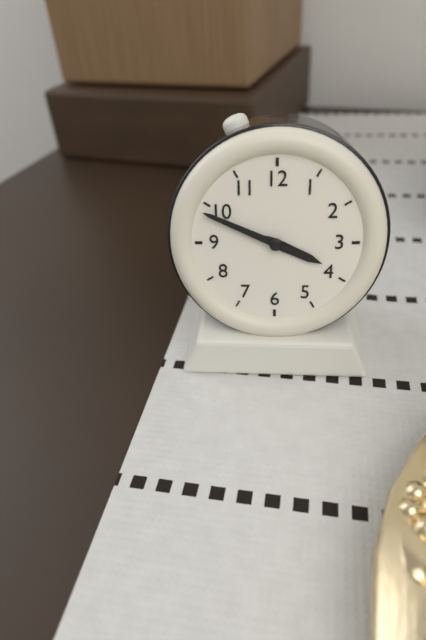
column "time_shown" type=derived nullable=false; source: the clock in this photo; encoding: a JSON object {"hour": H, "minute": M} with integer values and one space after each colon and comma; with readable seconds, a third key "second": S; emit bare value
{"hour": 3, "minute": 49}
